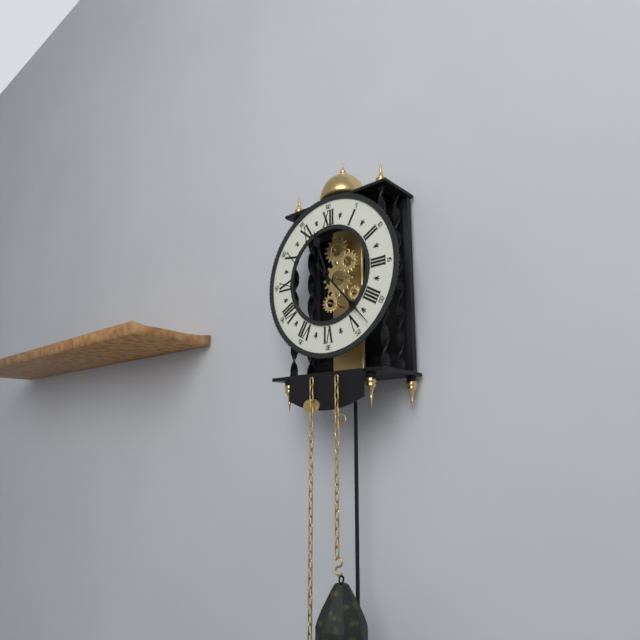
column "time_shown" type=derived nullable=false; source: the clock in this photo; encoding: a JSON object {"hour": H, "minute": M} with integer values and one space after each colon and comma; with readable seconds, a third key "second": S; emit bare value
{"hour": 11, "minute": 23}
